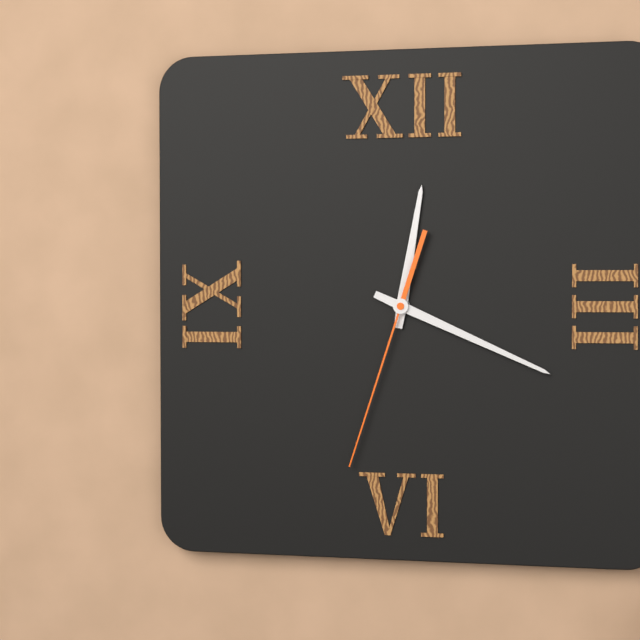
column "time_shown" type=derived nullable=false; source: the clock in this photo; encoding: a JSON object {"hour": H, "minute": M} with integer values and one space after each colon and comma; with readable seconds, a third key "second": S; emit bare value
{"hour": 12, "minute": 19, "second": 33}
